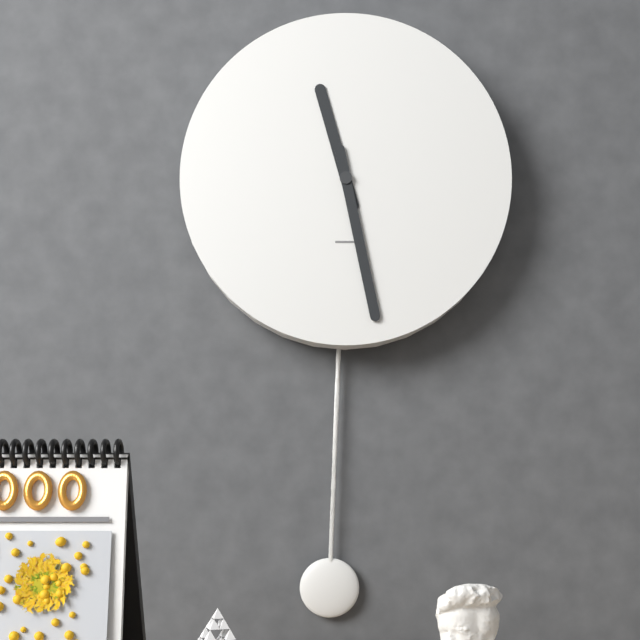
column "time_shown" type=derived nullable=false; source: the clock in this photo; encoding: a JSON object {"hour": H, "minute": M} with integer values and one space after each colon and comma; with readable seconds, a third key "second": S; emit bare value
{"hour": 11, "minute": 28}
